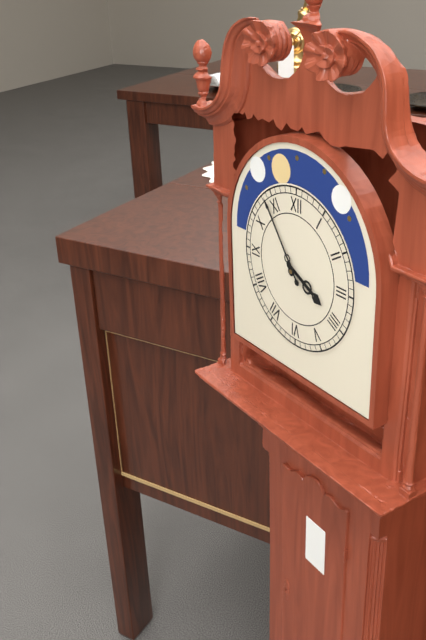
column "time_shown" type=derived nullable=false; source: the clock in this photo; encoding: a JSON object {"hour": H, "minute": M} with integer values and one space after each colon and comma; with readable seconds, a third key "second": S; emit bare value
{"hour": 3, "minute": 54}
